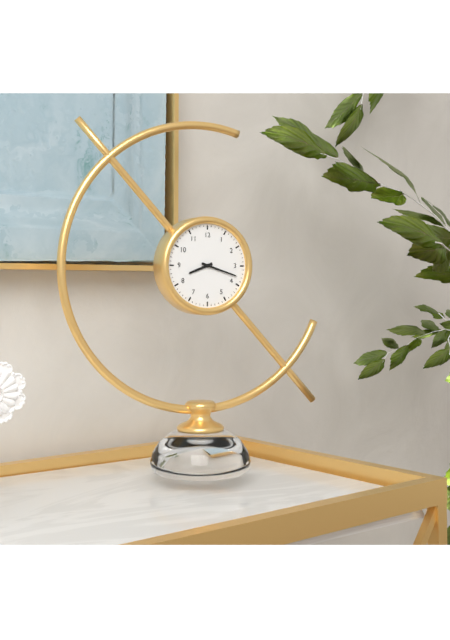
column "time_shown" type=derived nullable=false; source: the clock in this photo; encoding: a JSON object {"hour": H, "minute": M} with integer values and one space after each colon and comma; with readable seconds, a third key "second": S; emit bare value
{"hour": 8, "minute": 18}
